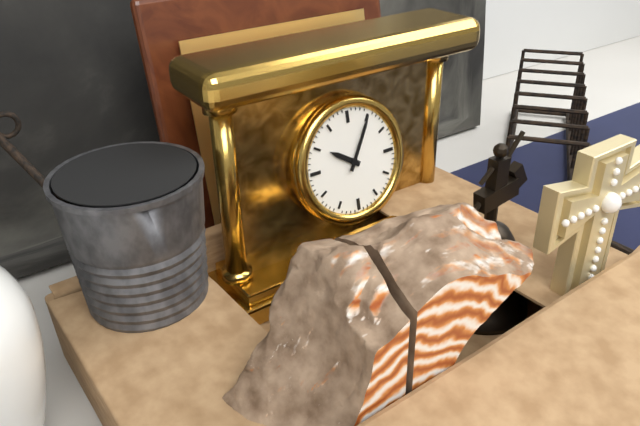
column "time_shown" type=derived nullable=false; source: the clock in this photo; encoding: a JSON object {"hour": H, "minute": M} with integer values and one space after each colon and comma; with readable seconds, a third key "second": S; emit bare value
{"hour": 10, "minute": 5}
